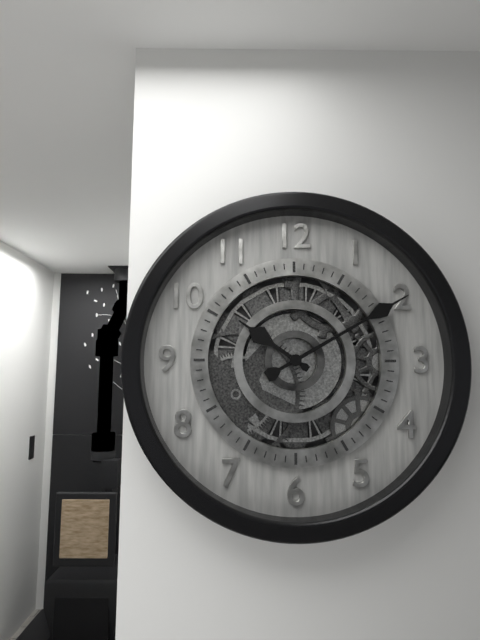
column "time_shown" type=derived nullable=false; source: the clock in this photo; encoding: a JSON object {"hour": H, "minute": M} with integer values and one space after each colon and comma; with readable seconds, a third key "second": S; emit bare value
{"hour": 10, "minute": 10}
